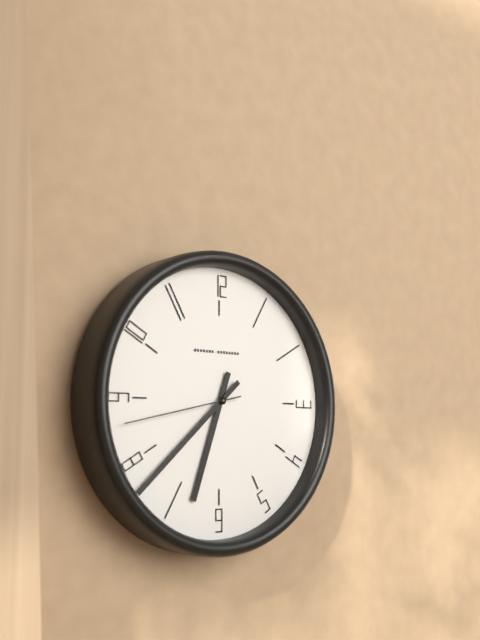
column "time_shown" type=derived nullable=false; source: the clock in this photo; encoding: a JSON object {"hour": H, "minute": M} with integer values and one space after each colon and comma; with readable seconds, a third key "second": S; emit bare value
{"hour": 6, "minute": 38, "second": 43}
